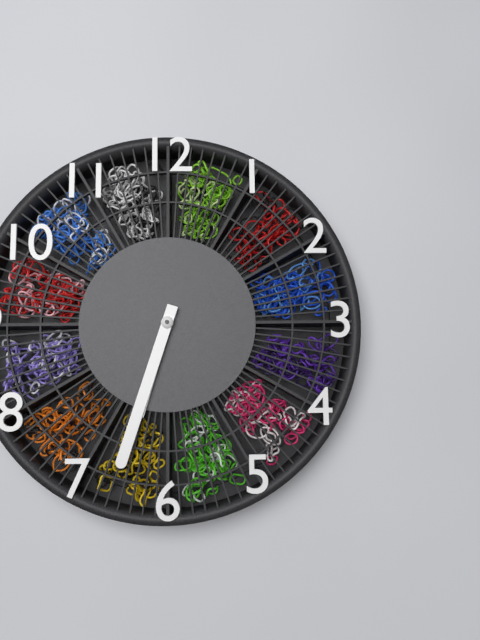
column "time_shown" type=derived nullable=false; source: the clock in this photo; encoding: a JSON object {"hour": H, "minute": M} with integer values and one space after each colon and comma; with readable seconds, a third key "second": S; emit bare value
{"hour": 6, "minute": 33}
